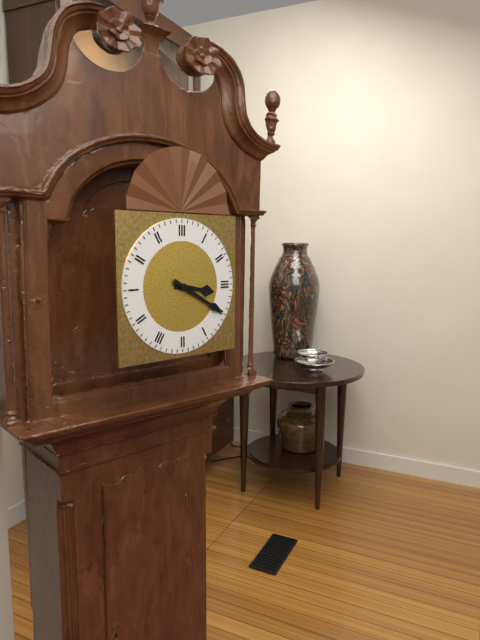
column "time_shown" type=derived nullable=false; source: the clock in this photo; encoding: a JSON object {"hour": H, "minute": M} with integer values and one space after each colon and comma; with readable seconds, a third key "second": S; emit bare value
{"hour": 3, "minute": 20}
